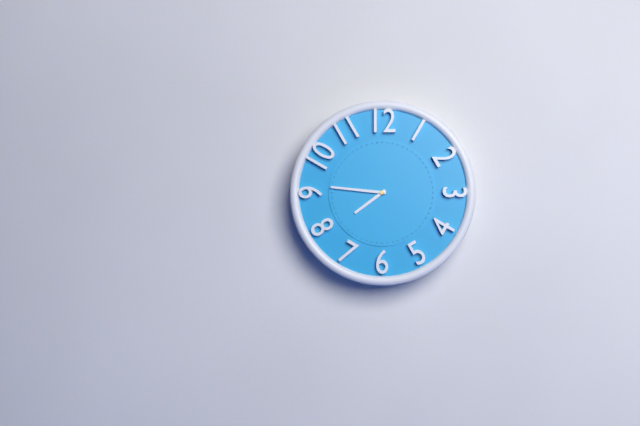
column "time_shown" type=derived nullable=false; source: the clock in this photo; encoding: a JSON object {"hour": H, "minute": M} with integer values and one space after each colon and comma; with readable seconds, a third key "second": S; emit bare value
{"hour": 7, "minute": 46}
